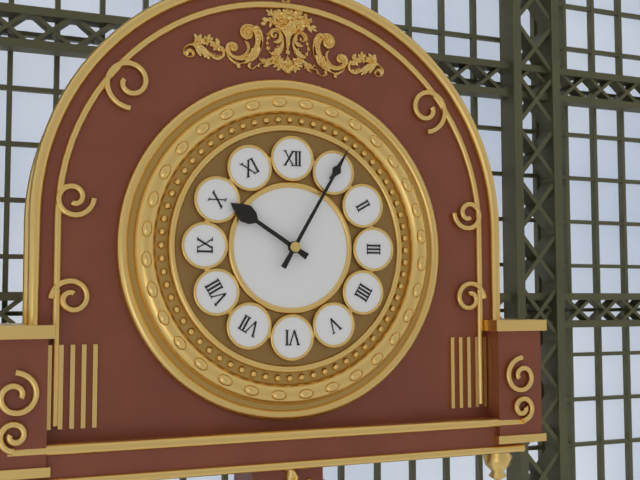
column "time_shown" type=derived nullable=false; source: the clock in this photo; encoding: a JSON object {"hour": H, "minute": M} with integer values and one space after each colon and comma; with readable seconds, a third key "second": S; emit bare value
{"hour": 10, "minute": 5}
